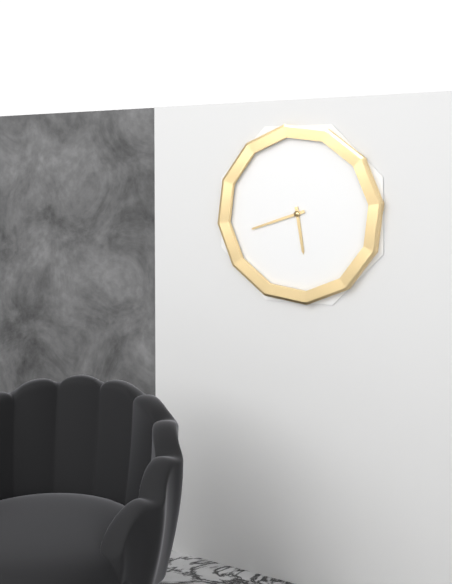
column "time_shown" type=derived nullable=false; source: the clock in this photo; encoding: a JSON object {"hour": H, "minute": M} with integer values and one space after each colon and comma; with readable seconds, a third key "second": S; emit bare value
{"hour": 5, "minute": 42}
